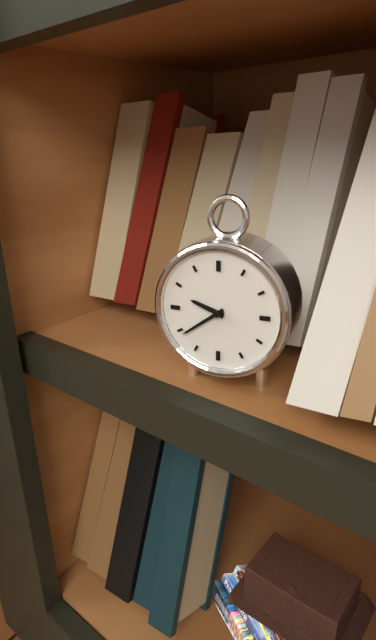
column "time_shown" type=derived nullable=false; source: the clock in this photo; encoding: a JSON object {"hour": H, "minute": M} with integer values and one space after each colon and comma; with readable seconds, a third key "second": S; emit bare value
{"hour": 9, "minute": 39}
